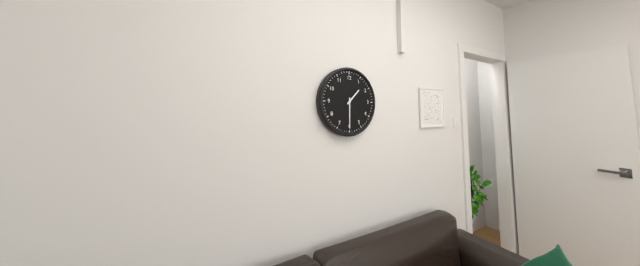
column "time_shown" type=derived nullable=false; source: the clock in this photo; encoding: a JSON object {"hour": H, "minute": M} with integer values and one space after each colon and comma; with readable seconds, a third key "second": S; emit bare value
{"hour": 1, "minute": 30}
